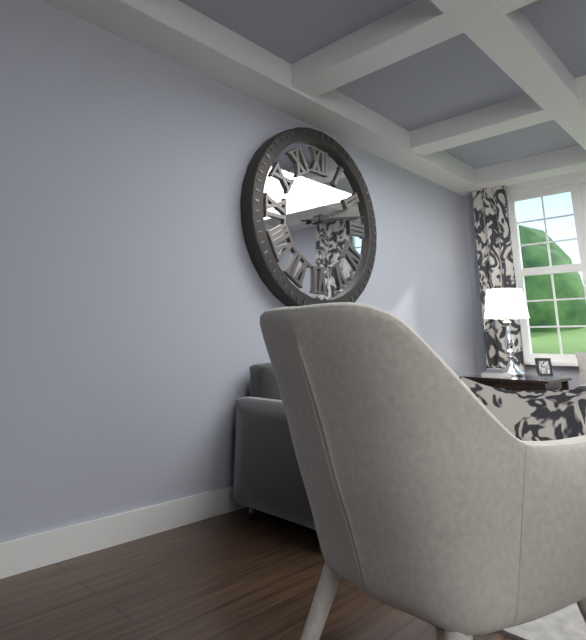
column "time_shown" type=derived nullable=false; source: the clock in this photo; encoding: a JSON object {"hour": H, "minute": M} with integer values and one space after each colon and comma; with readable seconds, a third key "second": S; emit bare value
{"hour": 2, "minute": 13}
